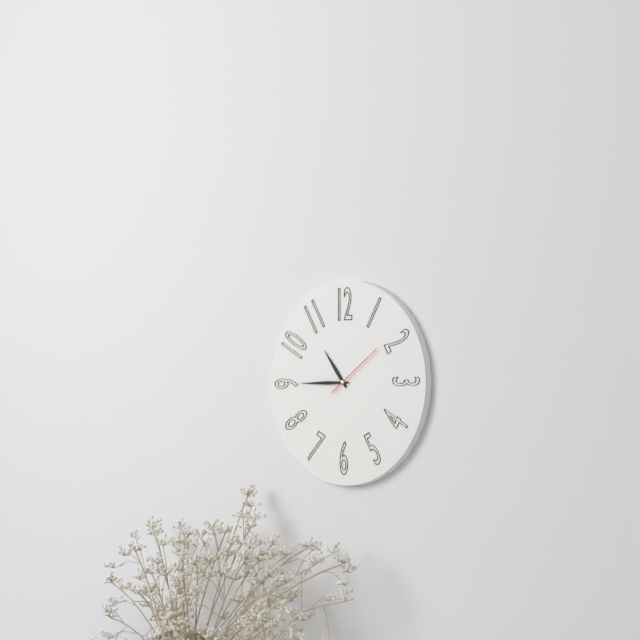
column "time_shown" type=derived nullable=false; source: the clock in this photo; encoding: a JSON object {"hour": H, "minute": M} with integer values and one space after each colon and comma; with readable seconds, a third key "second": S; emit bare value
{"hour": 10, "minute": 45, "second": 9}
